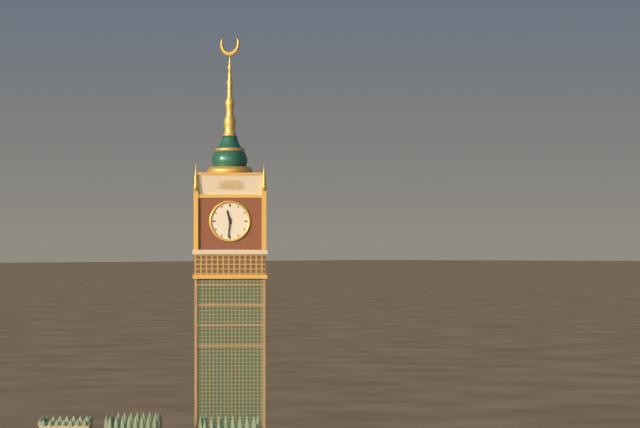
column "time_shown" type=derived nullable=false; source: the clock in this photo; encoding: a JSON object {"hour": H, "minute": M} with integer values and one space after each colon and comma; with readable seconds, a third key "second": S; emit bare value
{"hour": 11, "minute": 31}
